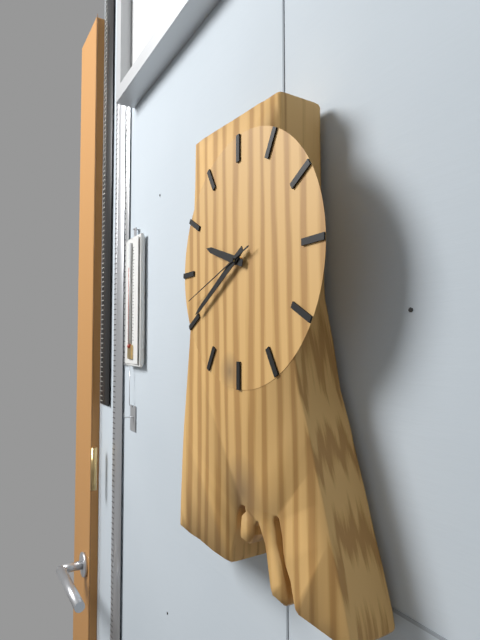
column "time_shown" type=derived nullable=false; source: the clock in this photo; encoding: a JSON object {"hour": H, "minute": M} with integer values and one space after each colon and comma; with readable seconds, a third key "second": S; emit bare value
{"hour": 9, "minute": 40, "second": 42}
